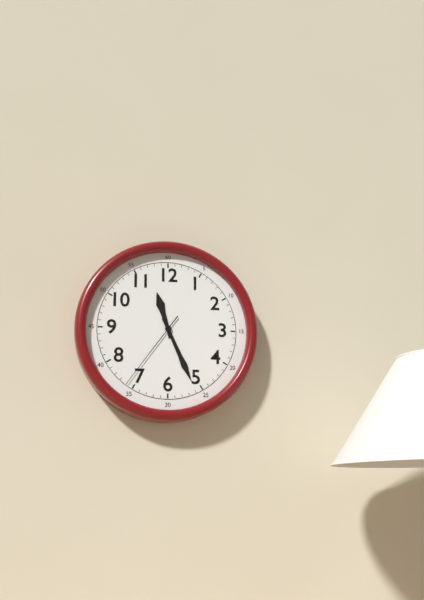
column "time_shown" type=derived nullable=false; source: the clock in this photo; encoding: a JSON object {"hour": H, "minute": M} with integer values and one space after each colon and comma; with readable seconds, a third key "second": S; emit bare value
{"hour": 11, "minute": 26, "second": 36}
